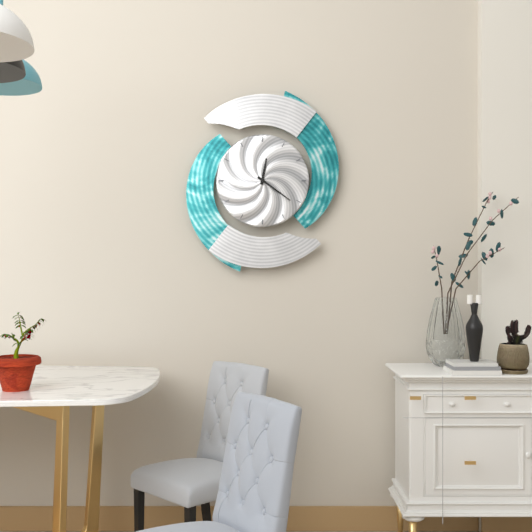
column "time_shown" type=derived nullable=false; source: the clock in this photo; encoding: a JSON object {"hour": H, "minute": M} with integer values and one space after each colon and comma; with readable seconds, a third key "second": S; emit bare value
{"hour": 12, "minute": 21}
